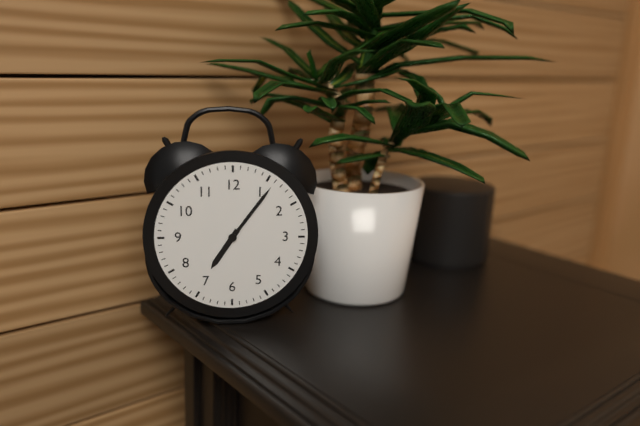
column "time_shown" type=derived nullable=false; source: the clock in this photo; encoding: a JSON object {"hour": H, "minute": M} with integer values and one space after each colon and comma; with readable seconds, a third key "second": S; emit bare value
{"hour": 7, "minute": 6}
